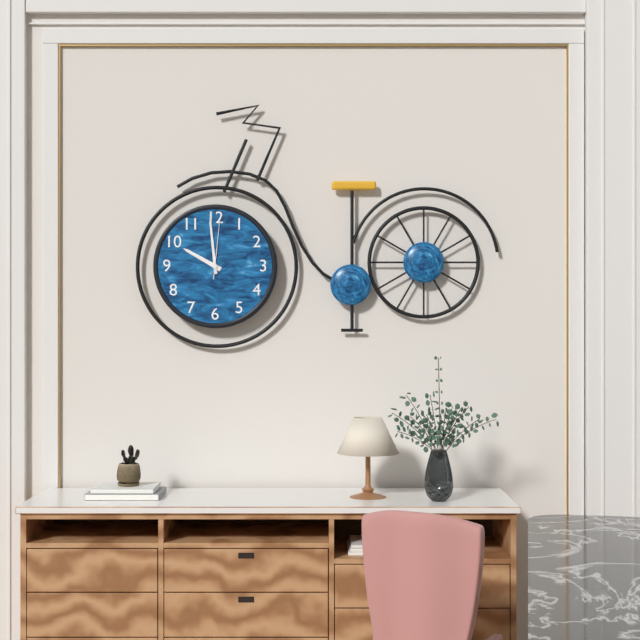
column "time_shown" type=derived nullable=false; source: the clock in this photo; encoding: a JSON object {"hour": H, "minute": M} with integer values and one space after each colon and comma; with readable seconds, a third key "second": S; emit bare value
{"hour": 9, "minute": 59, "second": 1}
